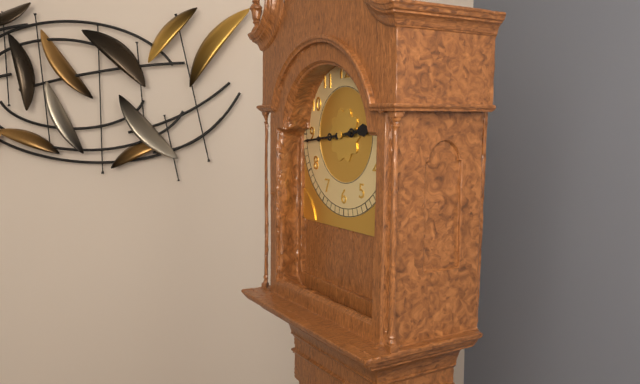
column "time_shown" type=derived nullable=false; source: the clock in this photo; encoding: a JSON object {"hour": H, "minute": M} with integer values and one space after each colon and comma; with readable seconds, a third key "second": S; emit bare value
{"hour": 2, "minute": 44}
